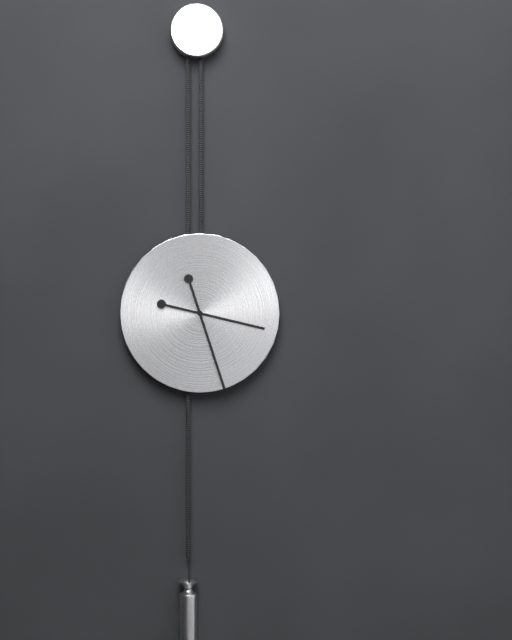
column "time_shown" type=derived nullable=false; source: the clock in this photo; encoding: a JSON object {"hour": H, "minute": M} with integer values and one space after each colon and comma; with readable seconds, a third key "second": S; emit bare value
{"hour": 3, "minute": 27}
